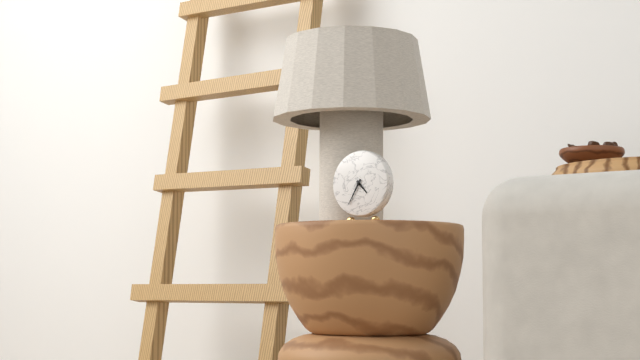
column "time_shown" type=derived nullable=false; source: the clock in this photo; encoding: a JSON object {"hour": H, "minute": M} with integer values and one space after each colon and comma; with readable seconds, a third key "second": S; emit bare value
{"hour": 4, "minute": 35}
